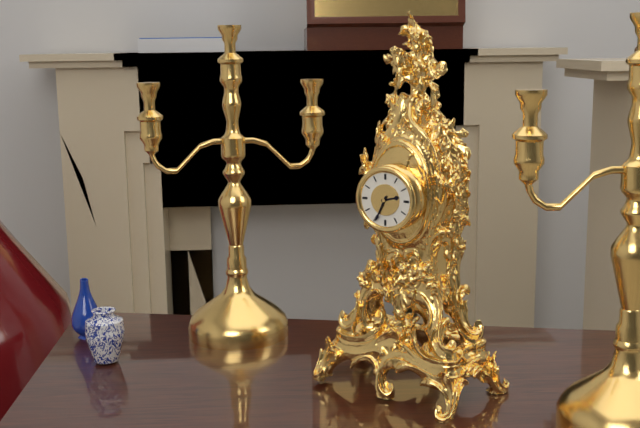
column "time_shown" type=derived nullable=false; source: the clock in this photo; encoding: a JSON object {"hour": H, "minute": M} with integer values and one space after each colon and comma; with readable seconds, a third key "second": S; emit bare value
{"hour": 2, "minute": 34}
